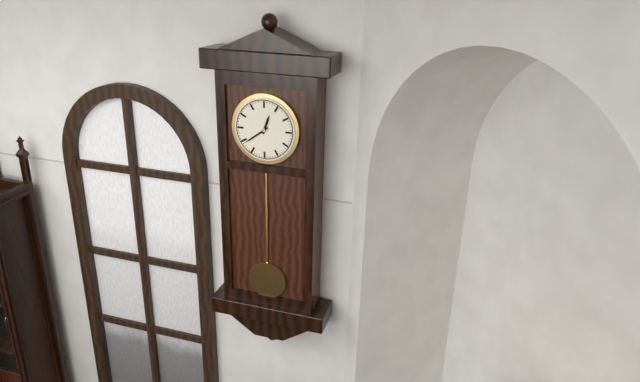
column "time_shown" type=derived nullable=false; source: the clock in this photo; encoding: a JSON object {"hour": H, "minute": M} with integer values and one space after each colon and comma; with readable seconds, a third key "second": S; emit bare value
{"hour": 12, "minute": 39}
